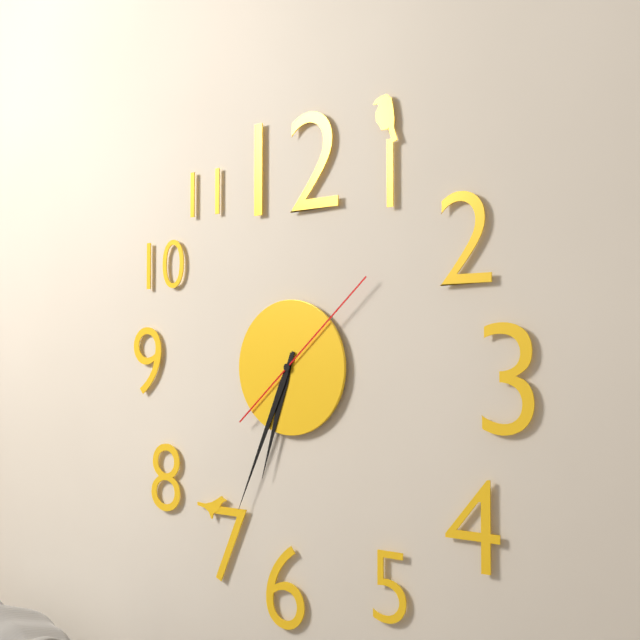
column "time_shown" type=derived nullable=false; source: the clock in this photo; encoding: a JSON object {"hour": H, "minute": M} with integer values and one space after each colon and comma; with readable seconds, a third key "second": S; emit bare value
{"hour": 6, "minute": 34, "second": 8}
